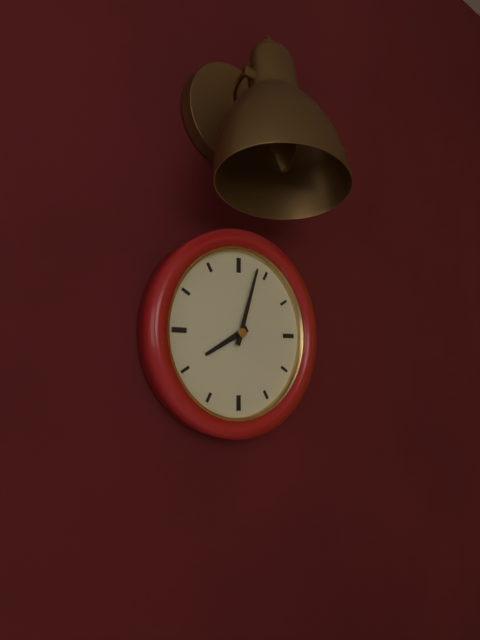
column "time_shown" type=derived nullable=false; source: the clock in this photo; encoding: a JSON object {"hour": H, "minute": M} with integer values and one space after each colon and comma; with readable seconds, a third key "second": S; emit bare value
{"hour": 8, "minute": 3}
